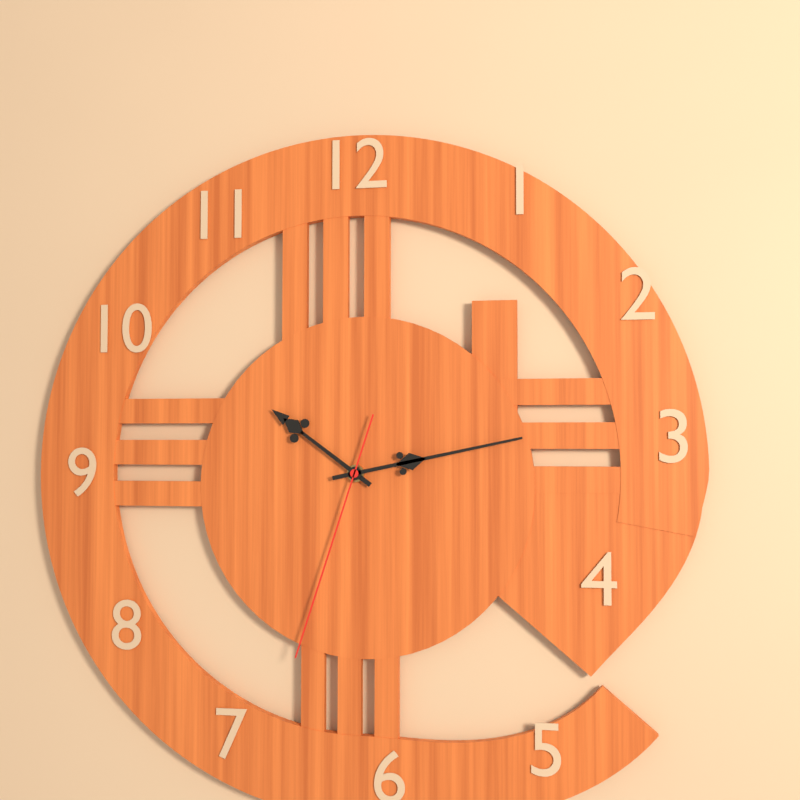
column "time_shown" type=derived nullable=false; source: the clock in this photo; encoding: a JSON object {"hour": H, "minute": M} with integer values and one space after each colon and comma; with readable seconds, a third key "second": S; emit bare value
{"hour": 10, "minute": 13, "second": 33}
